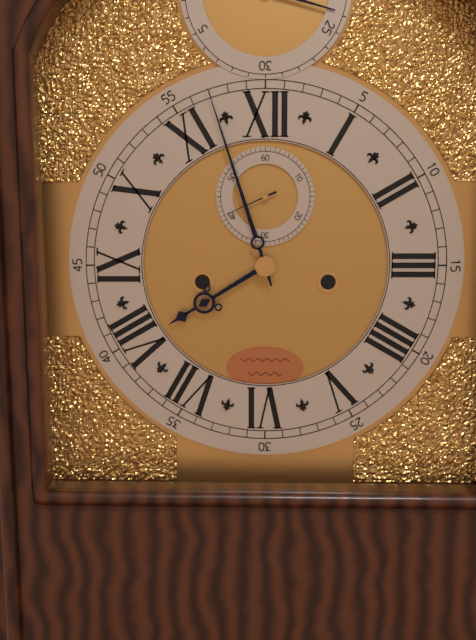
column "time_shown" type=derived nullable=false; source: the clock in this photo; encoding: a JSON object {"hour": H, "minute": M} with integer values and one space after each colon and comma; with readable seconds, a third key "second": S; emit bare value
{"hour": 7, "minute": 57, "second": 41}
